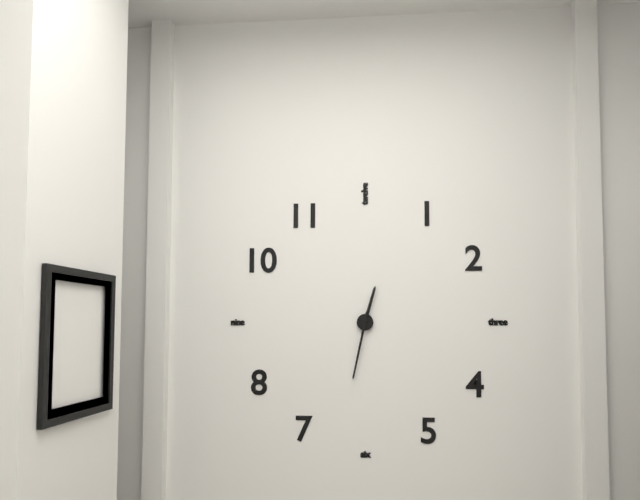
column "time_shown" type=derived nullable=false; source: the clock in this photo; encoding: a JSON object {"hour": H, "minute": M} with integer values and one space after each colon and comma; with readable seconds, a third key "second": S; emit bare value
{"hour": 12, "minute": 32}
